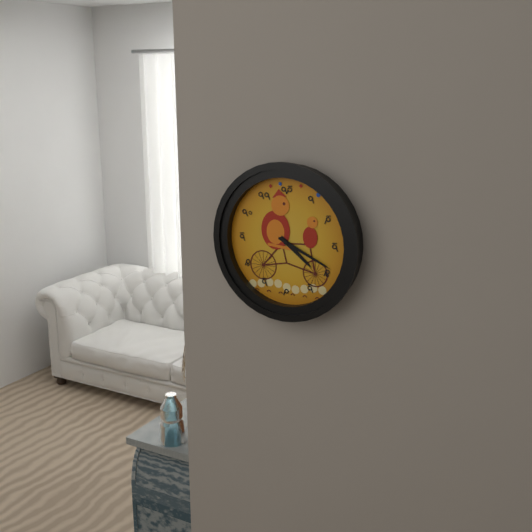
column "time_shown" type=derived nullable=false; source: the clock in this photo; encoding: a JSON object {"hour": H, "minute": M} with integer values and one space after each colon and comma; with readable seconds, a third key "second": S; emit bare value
{"hour": 4, "minute": 19}
